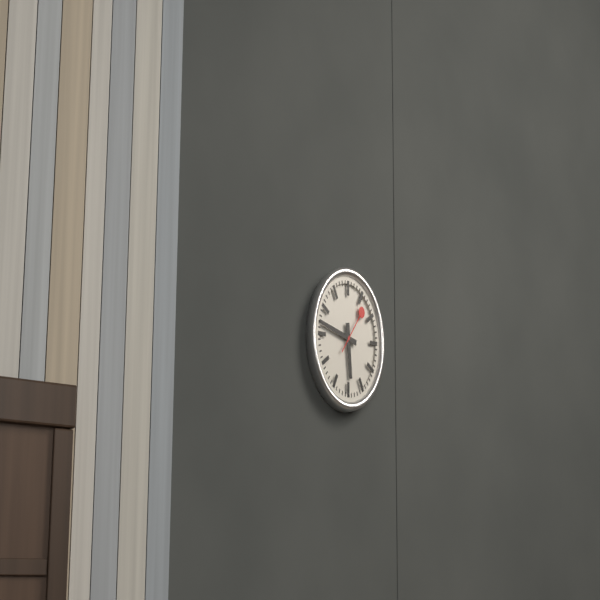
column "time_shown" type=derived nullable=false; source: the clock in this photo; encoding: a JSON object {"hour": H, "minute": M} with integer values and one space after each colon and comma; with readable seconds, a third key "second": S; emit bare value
{"hour": 5, "minute": 47, "second": 7}
